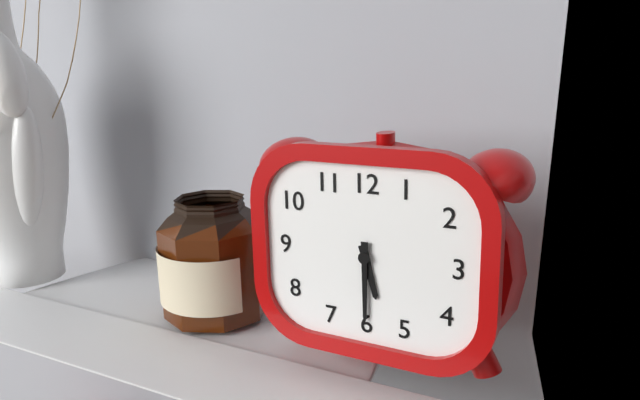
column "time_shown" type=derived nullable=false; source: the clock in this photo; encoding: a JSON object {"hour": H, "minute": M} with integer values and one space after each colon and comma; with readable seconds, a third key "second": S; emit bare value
{"hour": 5, "minute": 30}
